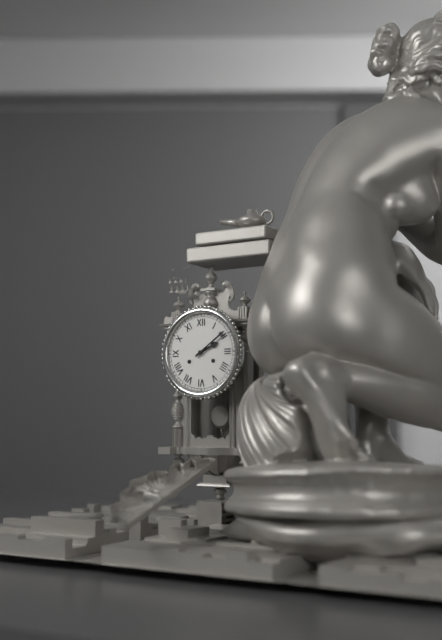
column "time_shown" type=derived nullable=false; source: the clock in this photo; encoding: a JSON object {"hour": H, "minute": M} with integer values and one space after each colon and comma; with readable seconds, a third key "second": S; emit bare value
{"hour": 2, "minute": 9}
